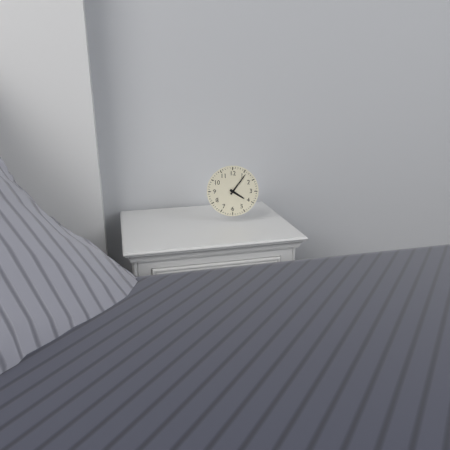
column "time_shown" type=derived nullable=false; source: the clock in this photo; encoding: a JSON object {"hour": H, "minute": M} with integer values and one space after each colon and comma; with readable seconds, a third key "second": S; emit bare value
{"hour": 4, "minute": 6}
